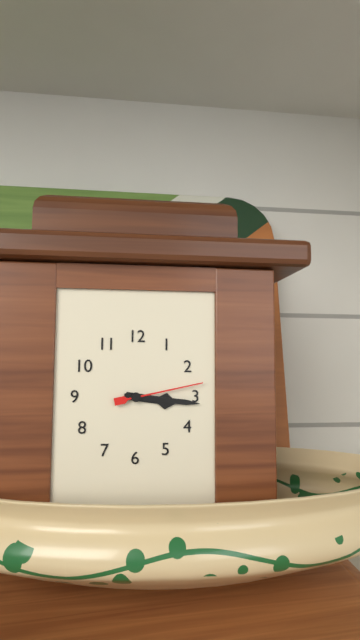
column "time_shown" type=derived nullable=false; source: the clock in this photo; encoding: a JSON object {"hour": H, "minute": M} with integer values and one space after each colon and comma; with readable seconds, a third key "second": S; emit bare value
{"hour": 3, "minute": 16, "second": 13}
